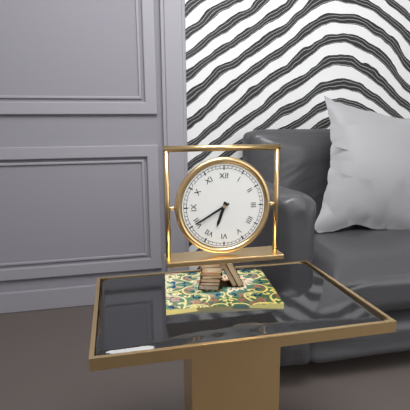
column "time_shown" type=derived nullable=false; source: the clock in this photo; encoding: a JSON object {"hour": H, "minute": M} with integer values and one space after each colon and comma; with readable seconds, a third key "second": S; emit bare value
{"hour": 6, "minute": 40}
